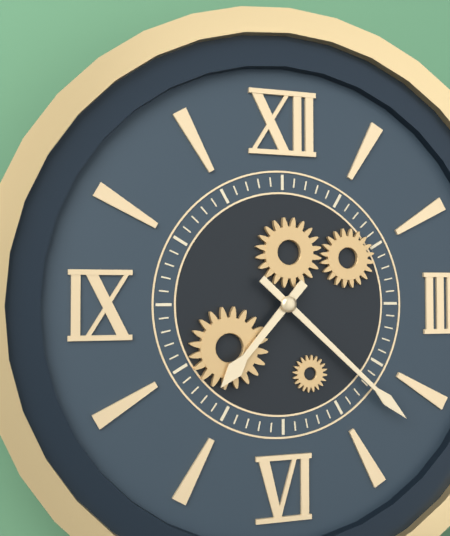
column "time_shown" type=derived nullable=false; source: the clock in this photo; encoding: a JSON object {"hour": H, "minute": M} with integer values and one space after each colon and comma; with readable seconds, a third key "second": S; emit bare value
{"hour": 7, "minute": 22}
